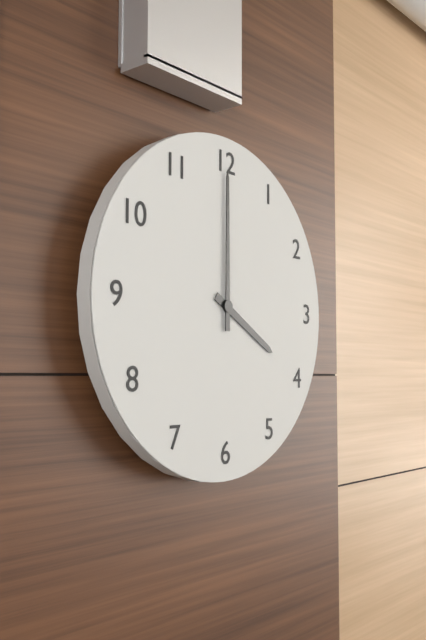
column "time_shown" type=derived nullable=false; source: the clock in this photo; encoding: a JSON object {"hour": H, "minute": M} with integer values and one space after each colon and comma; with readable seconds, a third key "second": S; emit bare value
{"hour": 4, "minute": 0}
